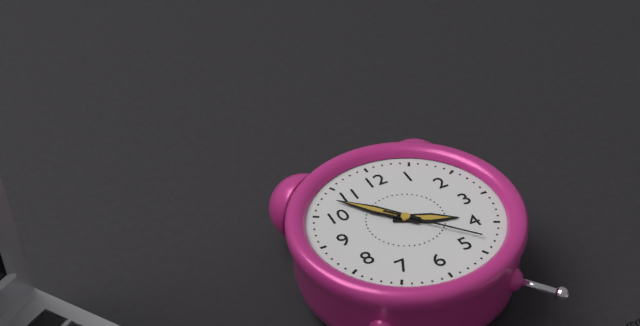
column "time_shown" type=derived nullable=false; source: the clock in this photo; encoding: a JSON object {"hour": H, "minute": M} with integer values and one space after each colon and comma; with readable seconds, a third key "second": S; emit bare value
{"hour": 3, "minute": 53, "second": 23}
